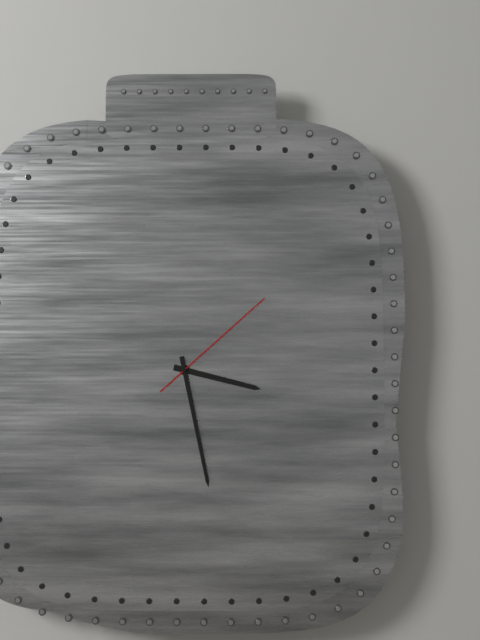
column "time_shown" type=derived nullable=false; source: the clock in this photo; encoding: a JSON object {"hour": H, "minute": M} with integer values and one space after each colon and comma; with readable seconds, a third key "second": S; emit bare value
{"hour": 3, "minute": 28, "second": 8}
